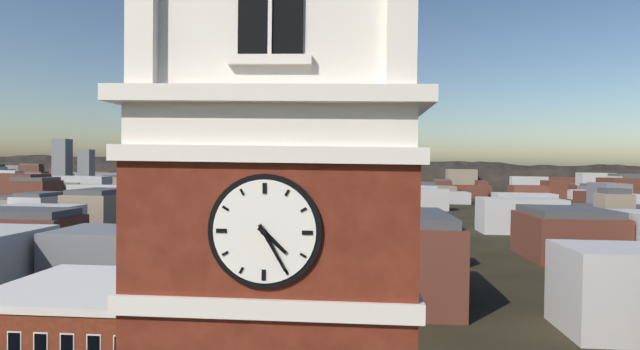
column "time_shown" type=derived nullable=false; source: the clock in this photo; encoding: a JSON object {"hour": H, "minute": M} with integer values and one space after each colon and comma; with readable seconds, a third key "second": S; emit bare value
{"hour": 4, "minute": 25}
